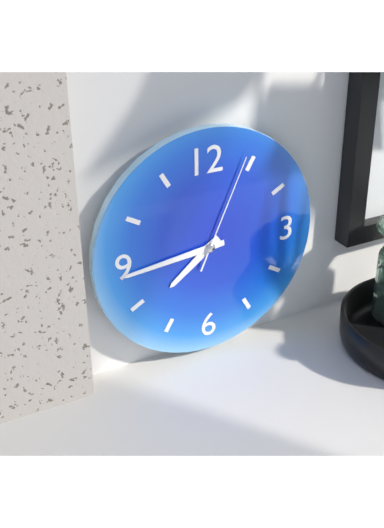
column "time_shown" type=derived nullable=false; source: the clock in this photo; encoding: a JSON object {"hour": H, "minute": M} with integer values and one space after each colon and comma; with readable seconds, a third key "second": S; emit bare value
{"hour": 7, "minute": 44, "second": 4}
